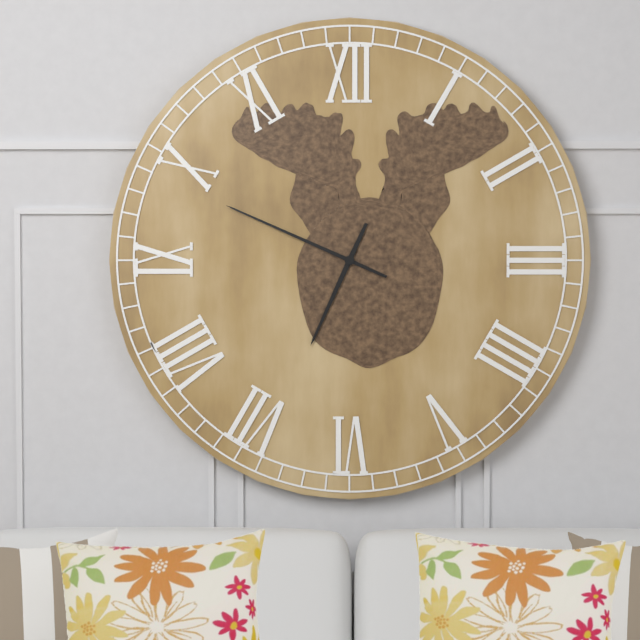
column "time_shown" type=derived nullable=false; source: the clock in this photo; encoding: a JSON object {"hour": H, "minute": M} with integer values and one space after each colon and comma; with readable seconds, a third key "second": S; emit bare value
{"hour": 6, "minute": 49}
